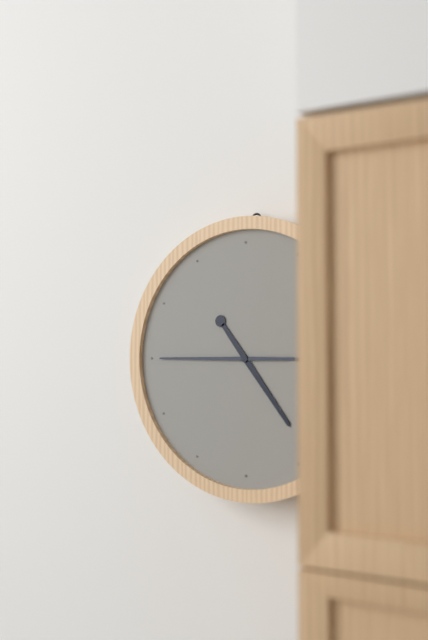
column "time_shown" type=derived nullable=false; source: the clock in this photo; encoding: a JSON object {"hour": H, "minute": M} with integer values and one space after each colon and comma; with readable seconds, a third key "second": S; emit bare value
{"hour": 4, "minute": 45}
